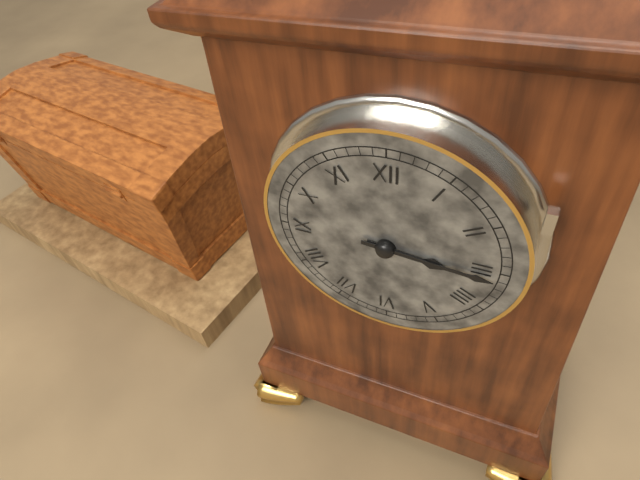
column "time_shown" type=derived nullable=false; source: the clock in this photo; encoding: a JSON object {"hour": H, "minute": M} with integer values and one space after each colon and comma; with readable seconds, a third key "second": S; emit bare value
{"hour": 3, "minute": 16}
